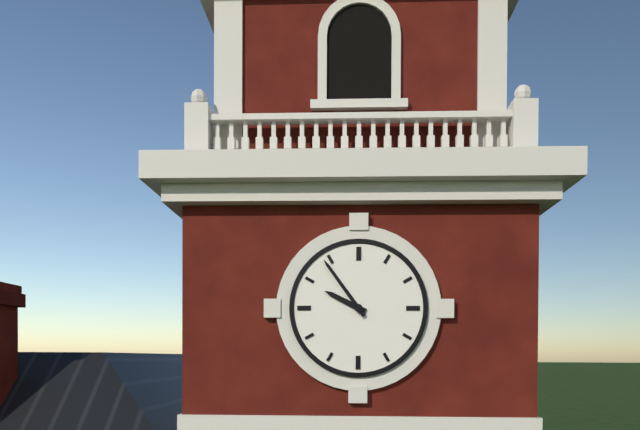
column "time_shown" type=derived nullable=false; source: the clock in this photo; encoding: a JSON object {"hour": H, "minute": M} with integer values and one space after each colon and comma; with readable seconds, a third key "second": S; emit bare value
{"hour": 9, "minute": 54}
